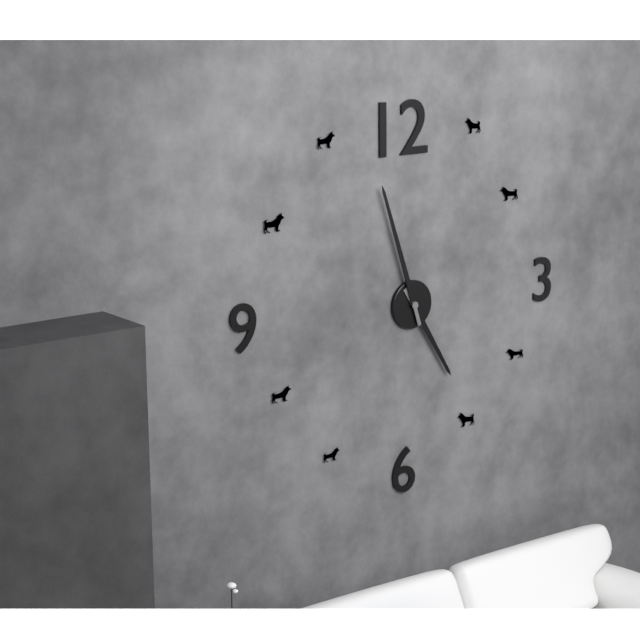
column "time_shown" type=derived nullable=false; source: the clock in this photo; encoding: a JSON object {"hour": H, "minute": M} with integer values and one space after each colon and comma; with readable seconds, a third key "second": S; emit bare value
{"hour": 4, "minute": 57}
